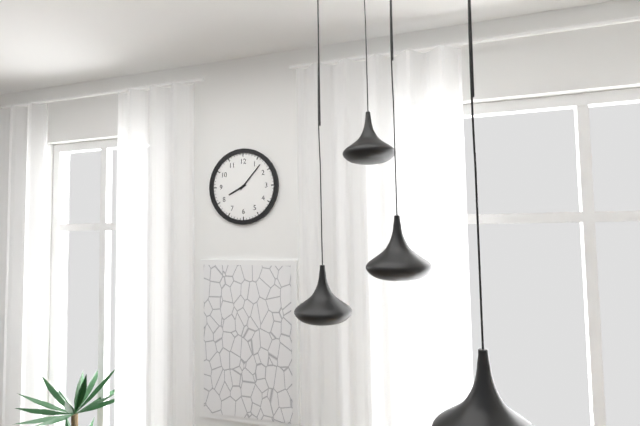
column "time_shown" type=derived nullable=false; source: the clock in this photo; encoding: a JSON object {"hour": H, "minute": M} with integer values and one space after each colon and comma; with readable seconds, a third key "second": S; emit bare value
{"hour": 8, "minute": 7}
